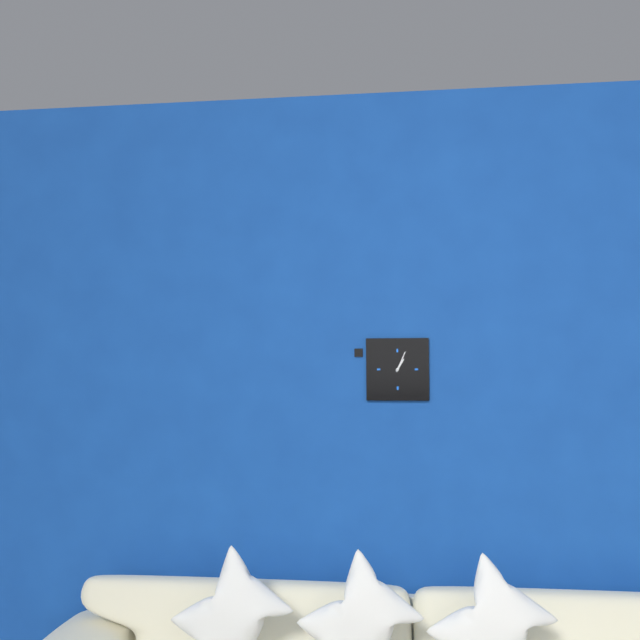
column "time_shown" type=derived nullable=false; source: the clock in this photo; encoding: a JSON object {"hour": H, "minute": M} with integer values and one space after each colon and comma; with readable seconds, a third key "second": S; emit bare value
{"hour": 1, "minute": 4}
